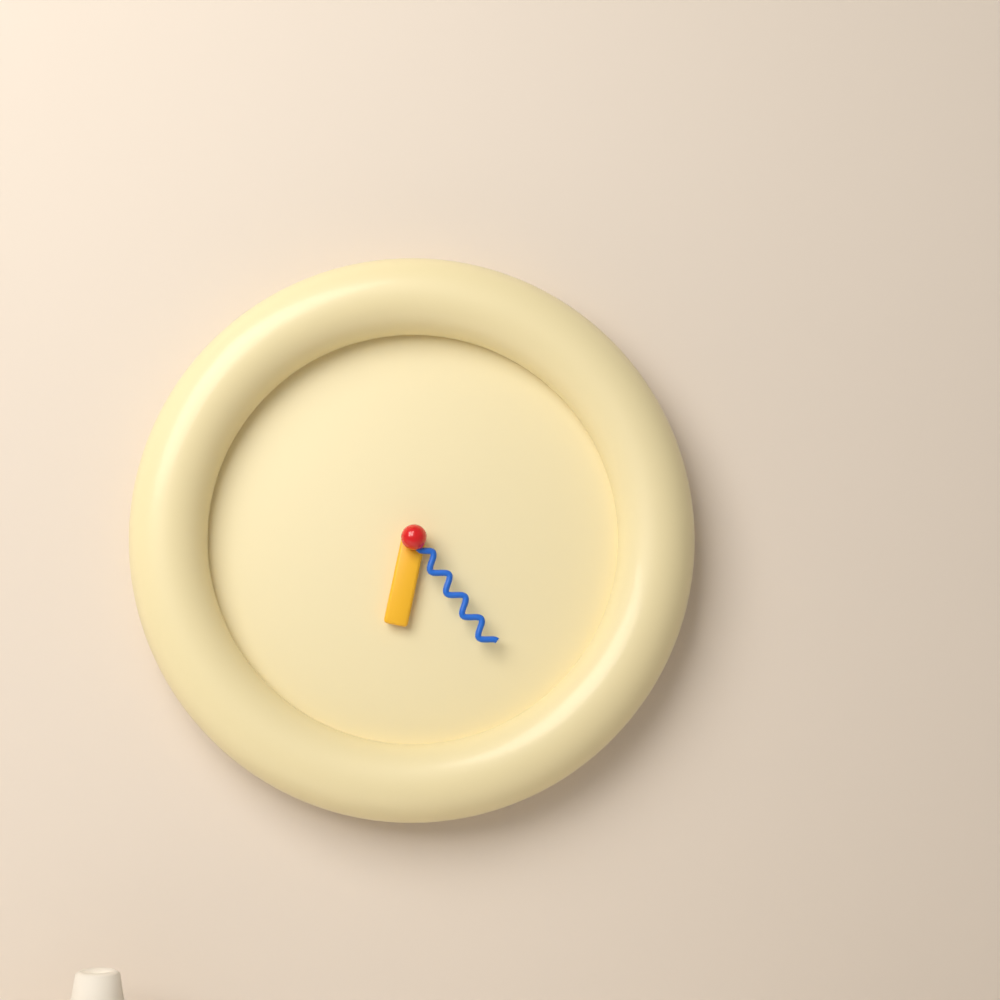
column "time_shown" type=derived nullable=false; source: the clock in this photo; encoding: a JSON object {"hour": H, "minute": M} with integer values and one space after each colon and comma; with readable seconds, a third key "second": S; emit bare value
{"hour": 6, "minute": 24}
